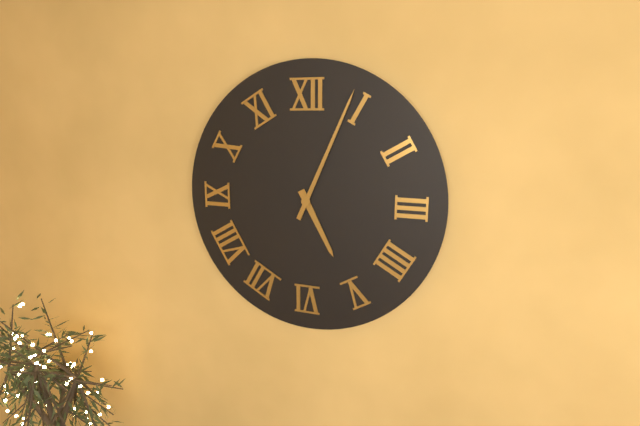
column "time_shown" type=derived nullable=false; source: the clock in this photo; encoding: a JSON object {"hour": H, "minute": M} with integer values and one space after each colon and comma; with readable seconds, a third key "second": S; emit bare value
{"hour": 5, "minute": 4}
